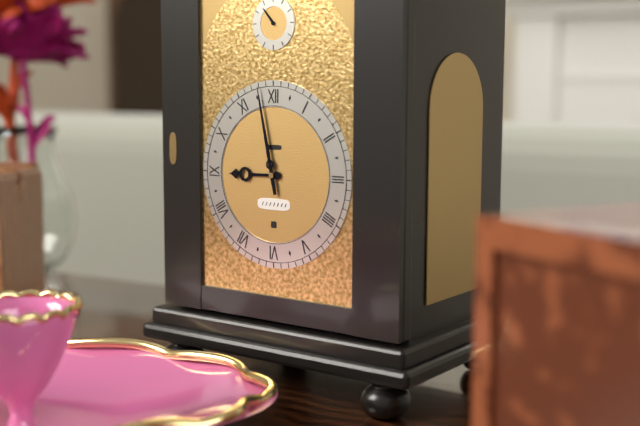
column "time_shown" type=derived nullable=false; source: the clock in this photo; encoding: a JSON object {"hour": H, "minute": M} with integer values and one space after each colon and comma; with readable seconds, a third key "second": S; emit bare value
{"hour": 8, "minute": 58}
